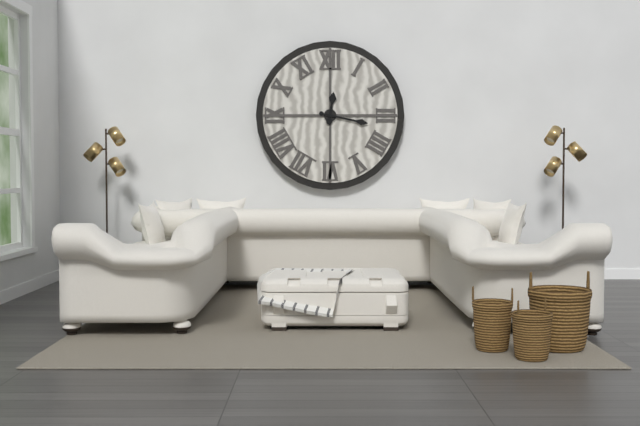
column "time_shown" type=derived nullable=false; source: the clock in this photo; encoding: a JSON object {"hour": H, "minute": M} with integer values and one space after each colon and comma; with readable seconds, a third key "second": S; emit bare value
{"hour": 12, "minute": 17}
